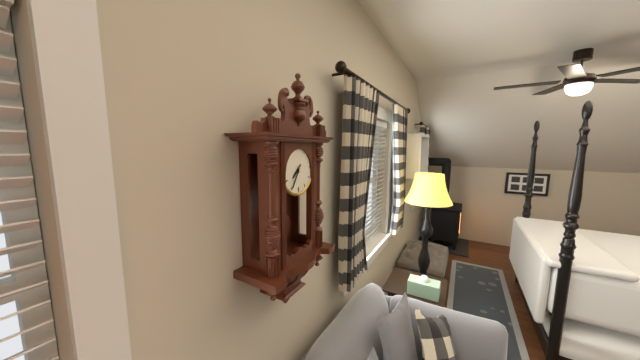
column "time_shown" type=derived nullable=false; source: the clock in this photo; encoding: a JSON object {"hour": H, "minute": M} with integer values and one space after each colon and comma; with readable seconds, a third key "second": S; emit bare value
{"hour": 7, "minute": 35}
